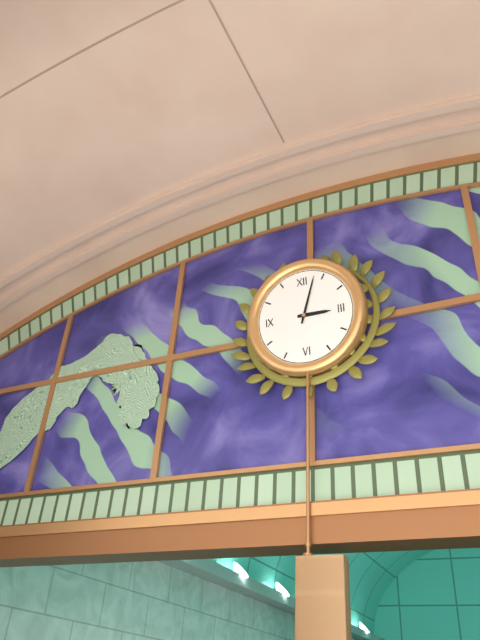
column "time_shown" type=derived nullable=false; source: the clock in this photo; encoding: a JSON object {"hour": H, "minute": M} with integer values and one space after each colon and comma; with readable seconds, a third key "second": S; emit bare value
{"hour": 3, "minute": 3}
